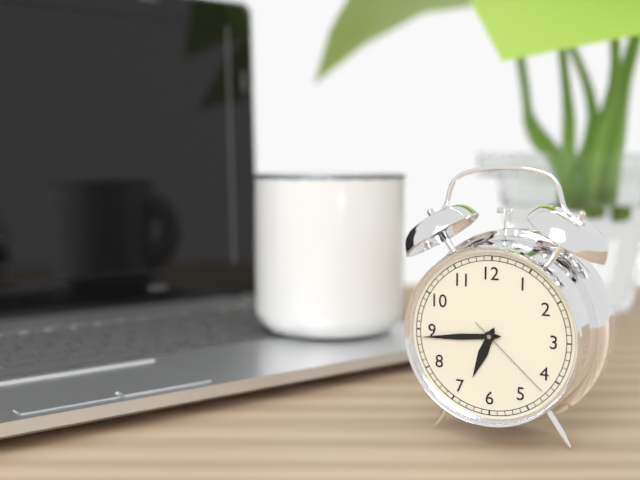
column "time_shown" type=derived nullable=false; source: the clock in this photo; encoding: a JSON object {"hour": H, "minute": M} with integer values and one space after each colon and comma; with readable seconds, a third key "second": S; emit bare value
{"hour": 6, "minute": 44, "second": 22}
